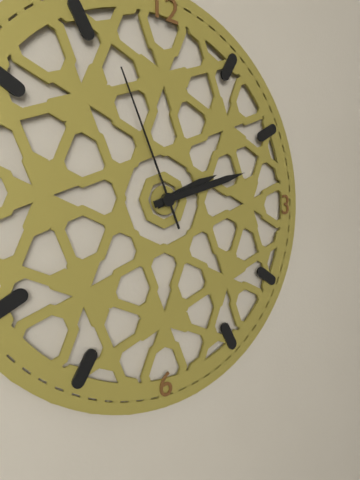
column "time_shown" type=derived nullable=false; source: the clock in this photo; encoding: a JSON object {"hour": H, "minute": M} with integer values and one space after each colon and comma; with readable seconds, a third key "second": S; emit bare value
{"hour": 2, "minute": 12, "second": 56}
